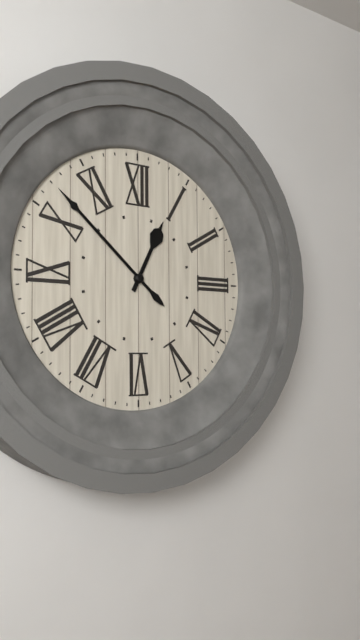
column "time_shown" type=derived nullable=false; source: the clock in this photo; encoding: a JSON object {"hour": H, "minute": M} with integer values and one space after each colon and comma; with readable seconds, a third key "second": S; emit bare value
{"hour": 12, "minute": 52}
